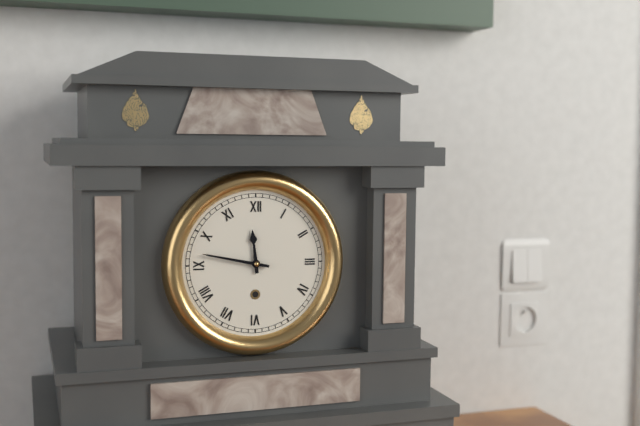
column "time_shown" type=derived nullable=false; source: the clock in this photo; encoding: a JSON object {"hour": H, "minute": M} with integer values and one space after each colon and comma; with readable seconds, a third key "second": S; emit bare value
{"hour": 11, "minute": 47}
